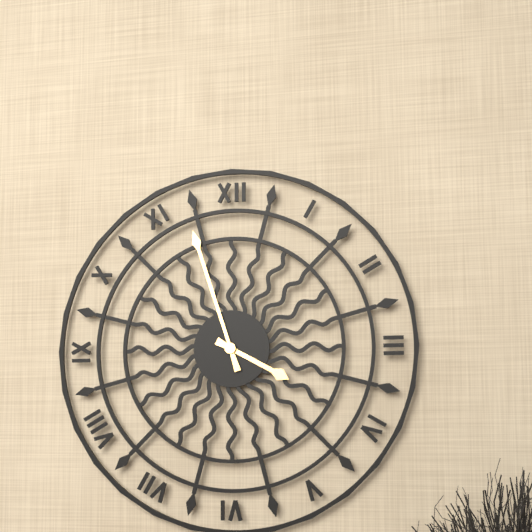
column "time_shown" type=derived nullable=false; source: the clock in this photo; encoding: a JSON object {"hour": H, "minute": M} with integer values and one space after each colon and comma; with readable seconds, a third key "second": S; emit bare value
{"hour": 3, "minute": 57}
